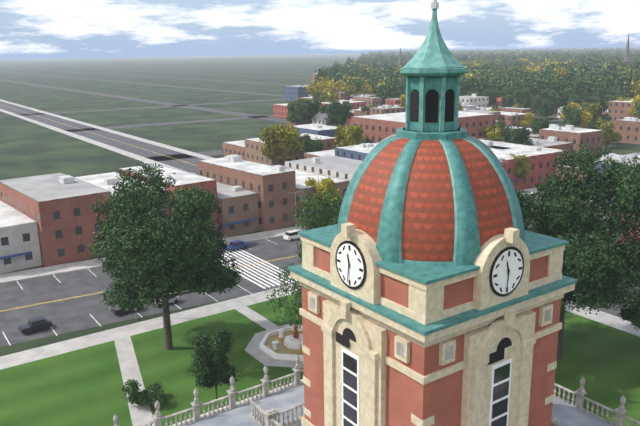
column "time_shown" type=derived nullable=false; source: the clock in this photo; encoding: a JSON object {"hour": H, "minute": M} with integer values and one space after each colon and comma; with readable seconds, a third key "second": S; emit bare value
{"hour": 11, "minute": 31}
